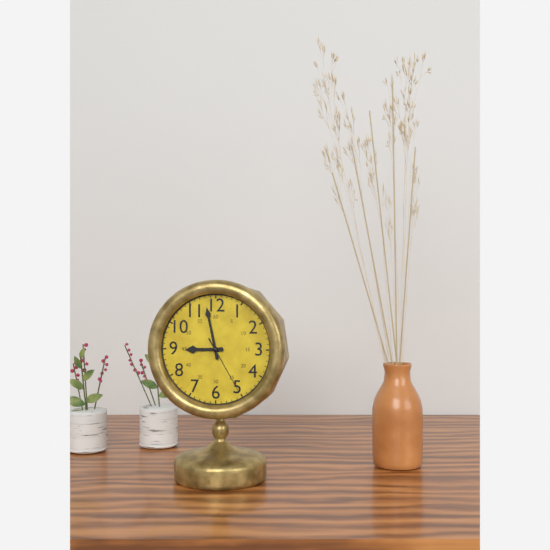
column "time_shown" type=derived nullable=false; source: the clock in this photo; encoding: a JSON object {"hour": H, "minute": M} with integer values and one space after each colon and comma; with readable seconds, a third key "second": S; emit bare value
{"hour": 8, "minute": 58, "second": 25}
